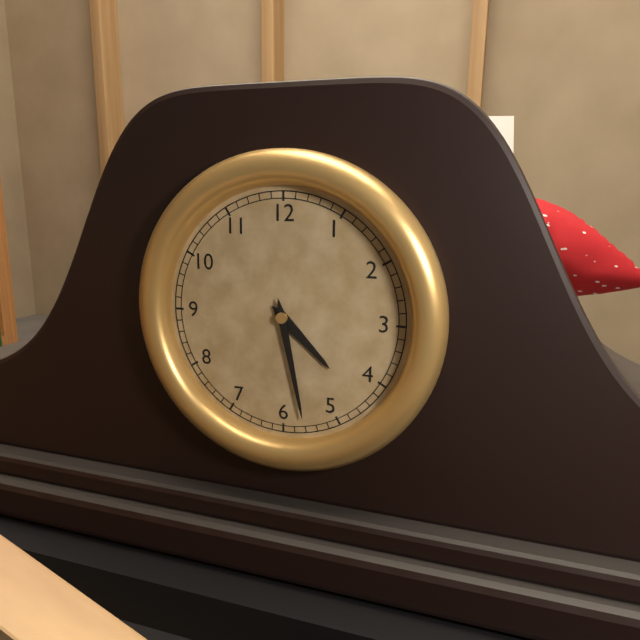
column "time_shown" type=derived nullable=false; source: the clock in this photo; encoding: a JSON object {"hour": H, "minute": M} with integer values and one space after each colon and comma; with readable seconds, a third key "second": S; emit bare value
{"hour": 4, "minute": 28}
